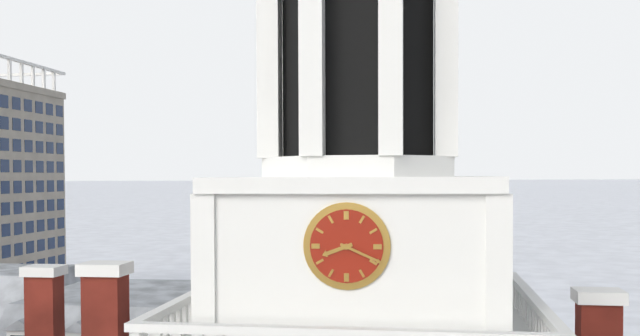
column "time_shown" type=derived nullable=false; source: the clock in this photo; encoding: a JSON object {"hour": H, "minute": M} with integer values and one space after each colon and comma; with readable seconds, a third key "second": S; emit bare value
{"hour": 8, "minute": 19}
